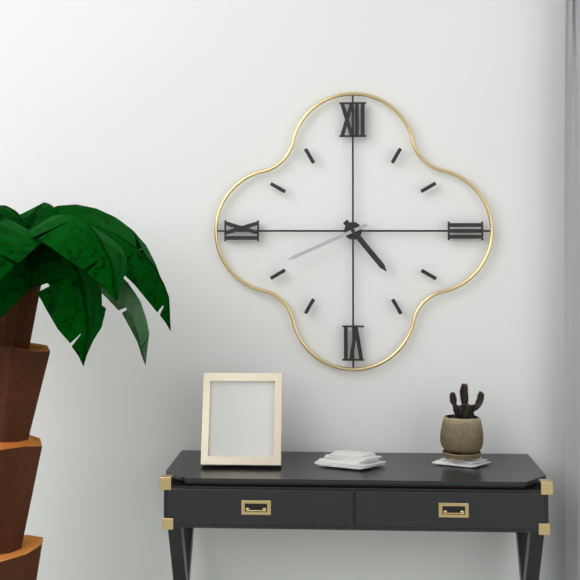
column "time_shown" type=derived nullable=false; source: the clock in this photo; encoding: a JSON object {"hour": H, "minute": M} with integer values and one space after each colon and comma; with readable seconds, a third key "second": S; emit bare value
{"hour": 4, "minute": 41}
